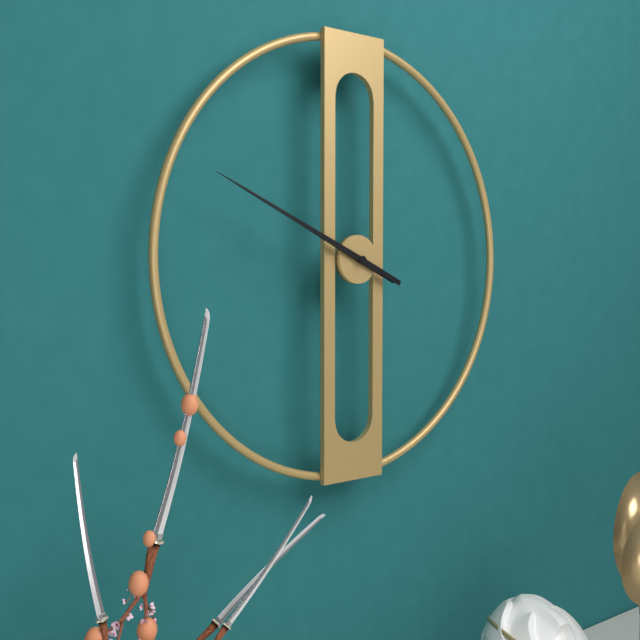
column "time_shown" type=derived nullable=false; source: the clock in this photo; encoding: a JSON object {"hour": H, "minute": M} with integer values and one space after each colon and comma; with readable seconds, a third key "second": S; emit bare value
{"hour": 9, "minute": 49}
